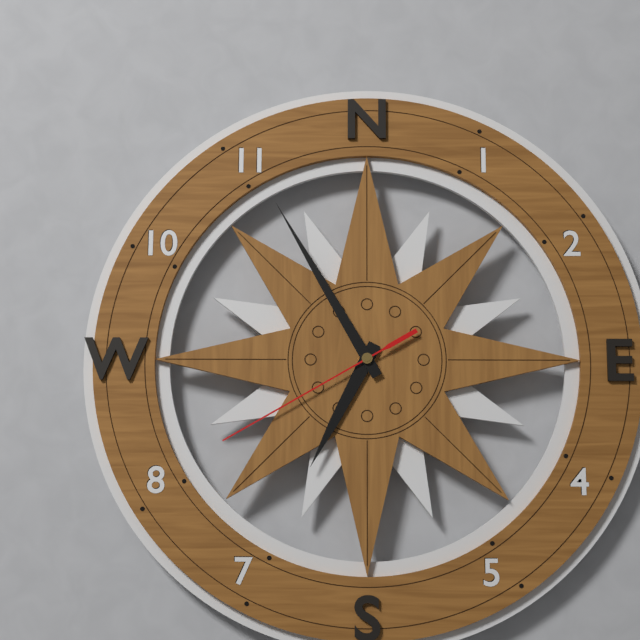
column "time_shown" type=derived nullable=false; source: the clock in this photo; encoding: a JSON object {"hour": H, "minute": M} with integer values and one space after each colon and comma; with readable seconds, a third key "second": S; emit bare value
{"hour": 6, "minute": 55, "second": 40}
